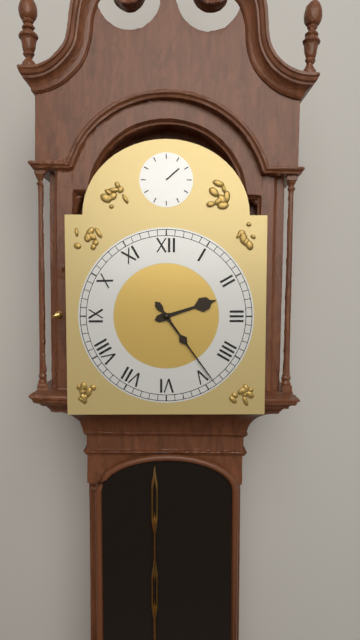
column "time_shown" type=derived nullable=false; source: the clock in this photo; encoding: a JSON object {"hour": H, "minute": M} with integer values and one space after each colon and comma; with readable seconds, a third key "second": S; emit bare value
{"hour": 2, "minute": 24}
